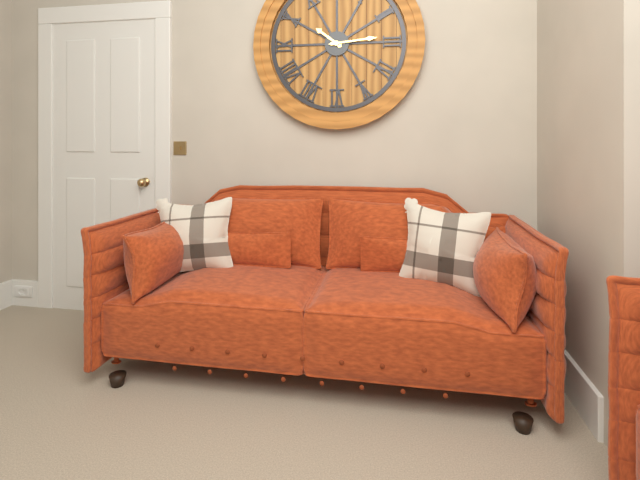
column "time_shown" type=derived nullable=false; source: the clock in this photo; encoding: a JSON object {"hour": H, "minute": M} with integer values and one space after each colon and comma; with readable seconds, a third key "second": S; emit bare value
{"hour": 10, "minute": 14}
